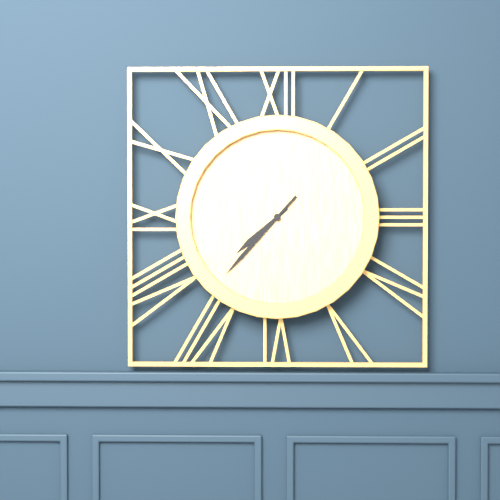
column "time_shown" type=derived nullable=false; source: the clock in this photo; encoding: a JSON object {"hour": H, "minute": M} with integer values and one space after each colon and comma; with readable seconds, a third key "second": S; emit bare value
{"hour": 7, "minute": 37}
